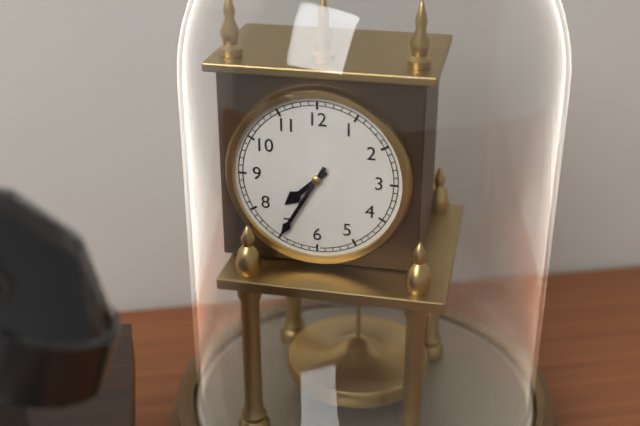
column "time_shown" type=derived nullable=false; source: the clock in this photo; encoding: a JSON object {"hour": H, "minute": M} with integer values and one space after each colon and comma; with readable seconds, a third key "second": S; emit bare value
{"hour": 7, "minute": 35}
